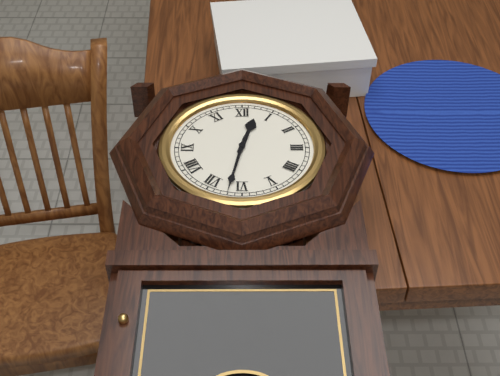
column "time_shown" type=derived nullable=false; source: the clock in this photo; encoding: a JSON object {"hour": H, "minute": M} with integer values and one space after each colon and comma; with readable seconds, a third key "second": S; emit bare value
{"hour": 12, "minute": 32}
